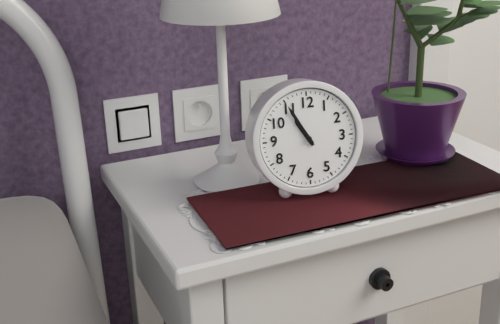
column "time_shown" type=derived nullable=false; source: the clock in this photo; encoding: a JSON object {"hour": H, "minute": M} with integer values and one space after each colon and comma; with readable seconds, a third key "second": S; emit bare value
{"hour": 10, "minute": 55}
